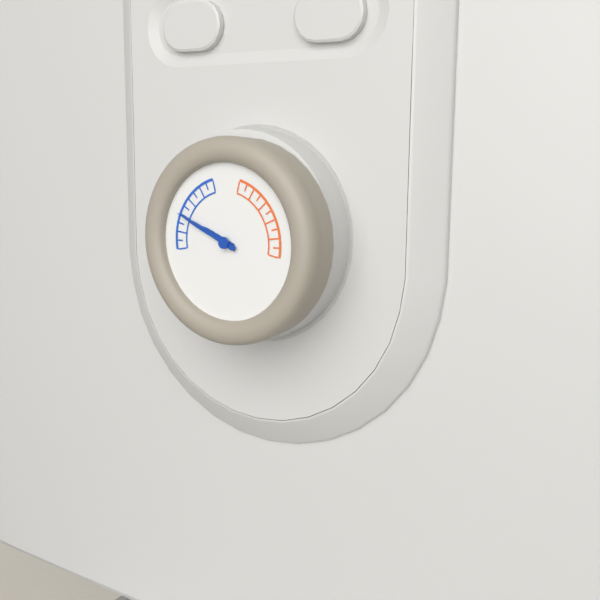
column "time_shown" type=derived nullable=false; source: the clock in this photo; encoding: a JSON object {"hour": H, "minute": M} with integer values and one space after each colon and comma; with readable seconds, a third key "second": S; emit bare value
{"hour": 9, "minute": 49}
